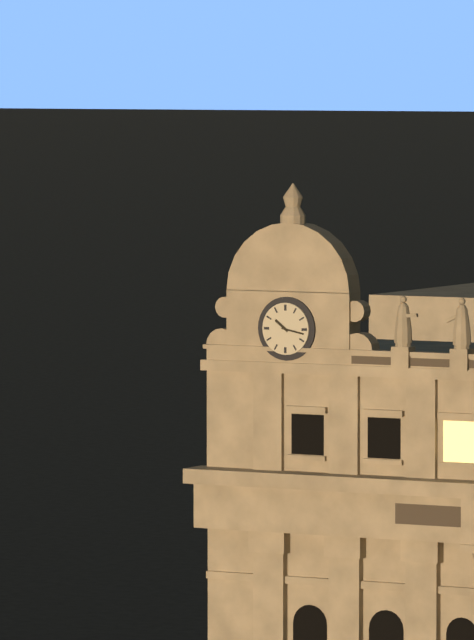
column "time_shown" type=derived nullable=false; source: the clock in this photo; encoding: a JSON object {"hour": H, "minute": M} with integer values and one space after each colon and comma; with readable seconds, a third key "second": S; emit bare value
{"hour": 10, "minute": 17}
